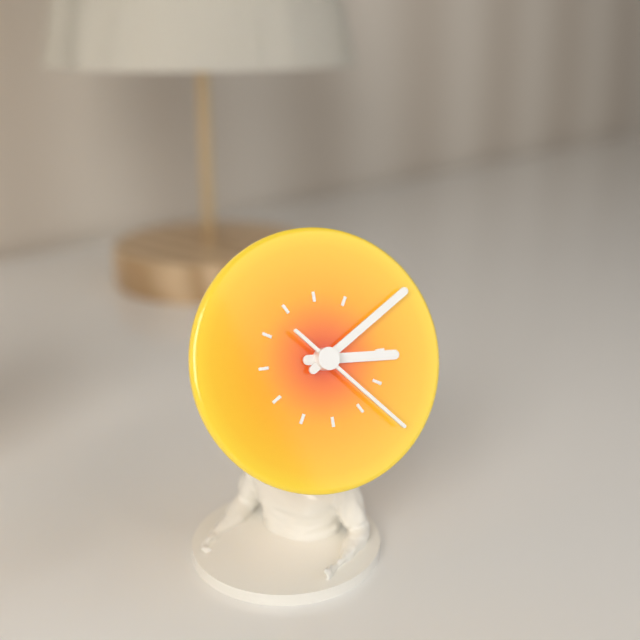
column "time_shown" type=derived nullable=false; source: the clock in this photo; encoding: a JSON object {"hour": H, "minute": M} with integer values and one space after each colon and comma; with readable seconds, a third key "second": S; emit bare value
{"hour": 3, "minute": 10, "second": 23}
